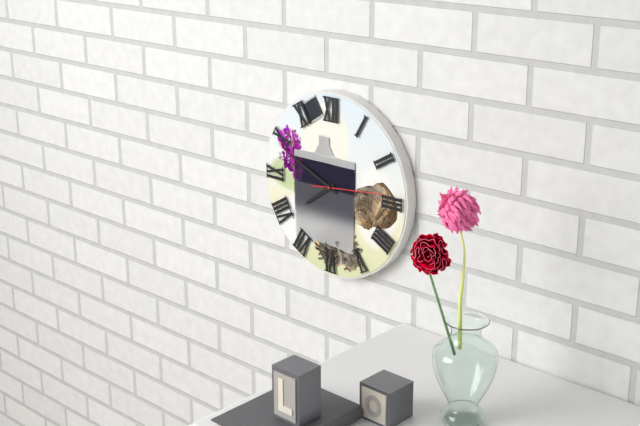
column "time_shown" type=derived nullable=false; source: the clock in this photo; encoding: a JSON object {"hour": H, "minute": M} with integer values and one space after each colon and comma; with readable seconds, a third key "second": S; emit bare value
{"hour": 7, "minute": 49, "second": 14}
